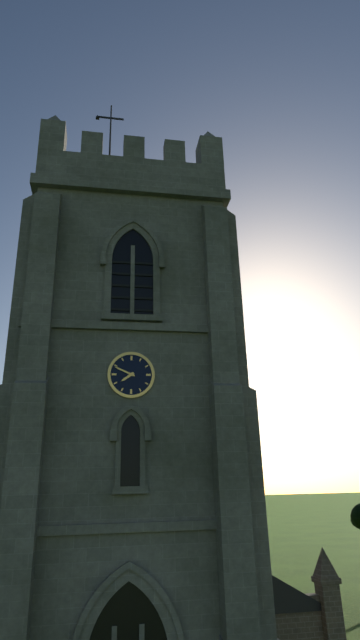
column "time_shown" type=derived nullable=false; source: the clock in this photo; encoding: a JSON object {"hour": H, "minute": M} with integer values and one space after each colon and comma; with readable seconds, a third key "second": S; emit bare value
{"hour": 7, "minute": 49}
